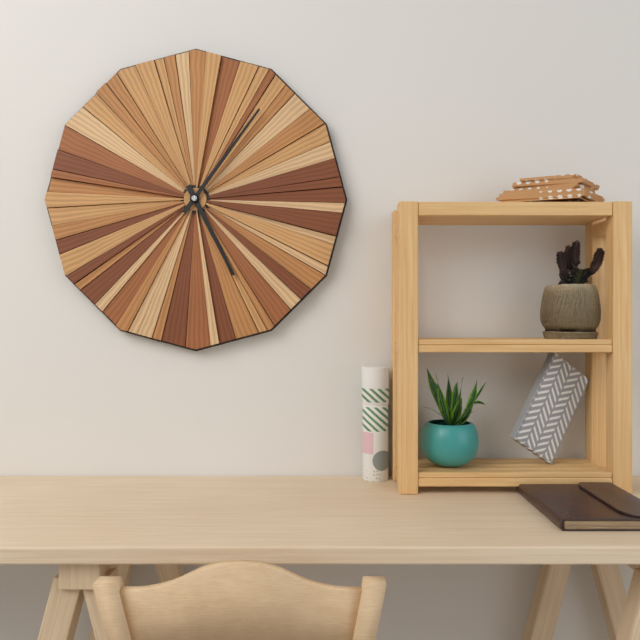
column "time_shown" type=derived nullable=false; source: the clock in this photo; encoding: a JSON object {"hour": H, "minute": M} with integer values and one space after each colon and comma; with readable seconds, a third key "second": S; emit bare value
{"hour": 5, "minute": 6}
